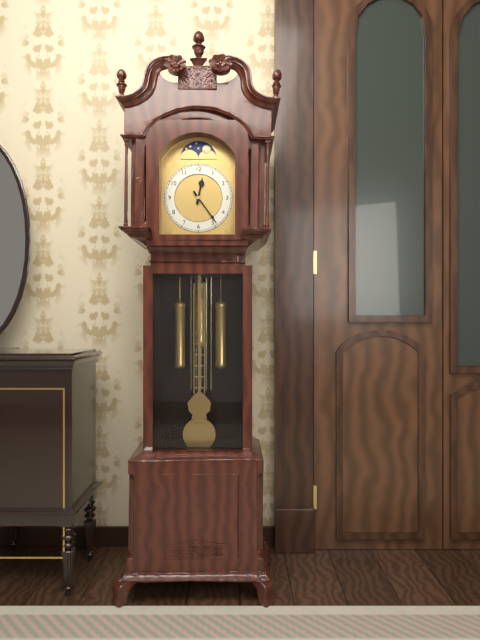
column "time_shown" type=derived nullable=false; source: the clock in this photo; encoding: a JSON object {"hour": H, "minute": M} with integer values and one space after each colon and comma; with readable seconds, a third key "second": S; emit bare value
{"hour": 12, "minute": 24}
